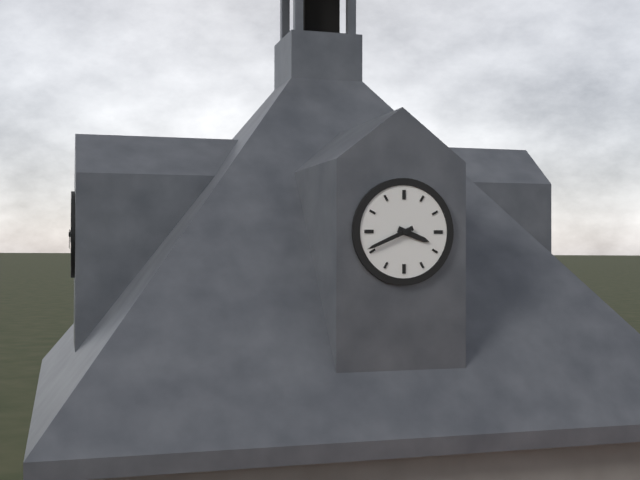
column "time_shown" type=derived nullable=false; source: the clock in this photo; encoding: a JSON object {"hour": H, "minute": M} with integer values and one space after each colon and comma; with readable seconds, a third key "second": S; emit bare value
{"hour": 3, "minute": 41}
